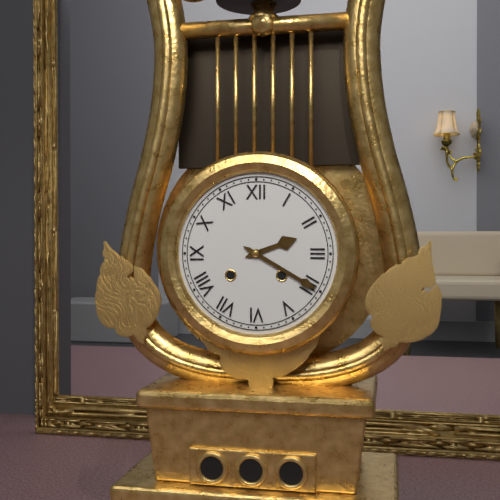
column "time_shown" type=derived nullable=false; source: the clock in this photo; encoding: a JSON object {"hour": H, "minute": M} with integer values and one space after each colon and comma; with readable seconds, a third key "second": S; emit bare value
{"hour": 2, "minute": 20}
